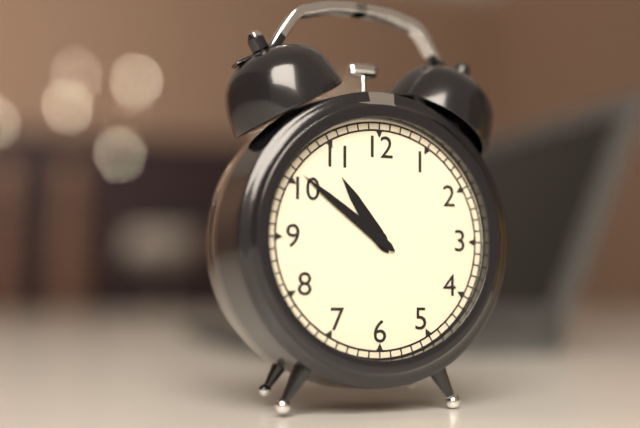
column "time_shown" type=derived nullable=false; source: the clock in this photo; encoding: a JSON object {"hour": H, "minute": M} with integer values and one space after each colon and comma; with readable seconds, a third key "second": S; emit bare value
{"hour": 10, "minute": 51}
